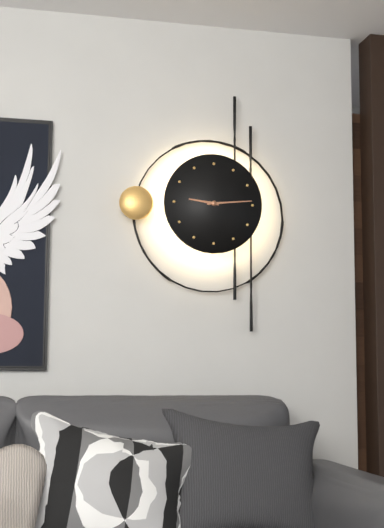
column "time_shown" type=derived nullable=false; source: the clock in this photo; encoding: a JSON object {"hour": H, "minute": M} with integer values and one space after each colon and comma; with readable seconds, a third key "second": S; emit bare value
{"hour": 9, "minute": 14}
